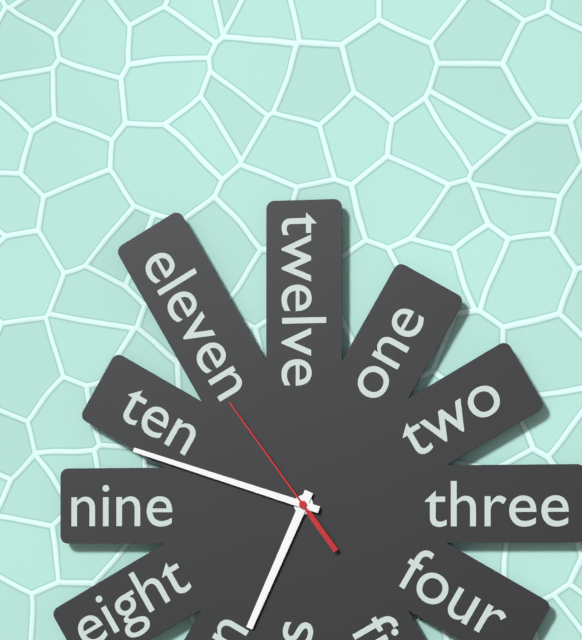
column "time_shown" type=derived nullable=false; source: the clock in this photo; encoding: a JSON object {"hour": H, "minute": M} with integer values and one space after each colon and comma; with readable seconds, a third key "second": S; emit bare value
{"hour": 6, "minute": 48, "second": 54}
